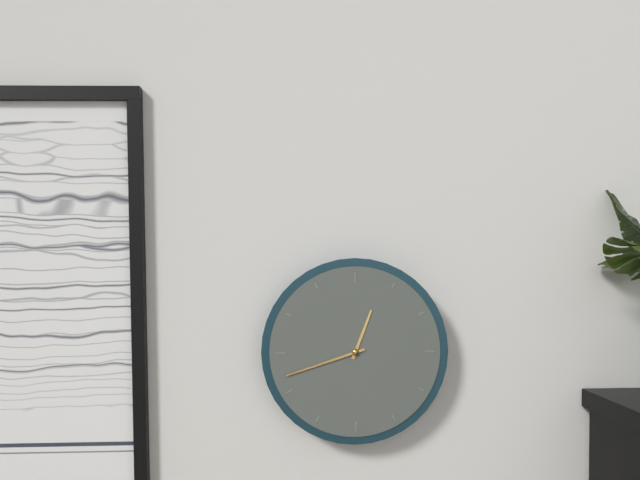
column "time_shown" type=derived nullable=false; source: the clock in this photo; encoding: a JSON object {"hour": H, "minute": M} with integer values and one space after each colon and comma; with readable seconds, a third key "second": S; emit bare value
{"hour": 12, "minute": 42}
